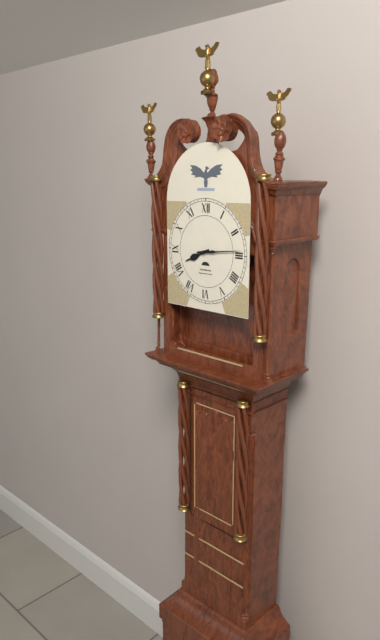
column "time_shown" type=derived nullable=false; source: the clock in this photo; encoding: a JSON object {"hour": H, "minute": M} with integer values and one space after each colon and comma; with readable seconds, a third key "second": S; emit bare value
{"hour": 8, "minute": 14}
